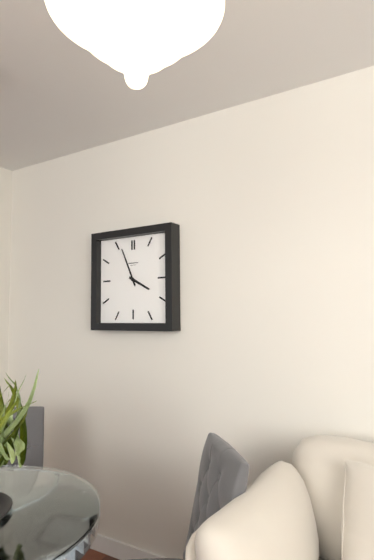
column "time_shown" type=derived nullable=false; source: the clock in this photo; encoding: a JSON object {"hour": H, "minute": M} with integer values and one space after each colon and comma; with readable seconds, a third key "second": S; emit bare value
{"hour": 3, "minute": 56}
